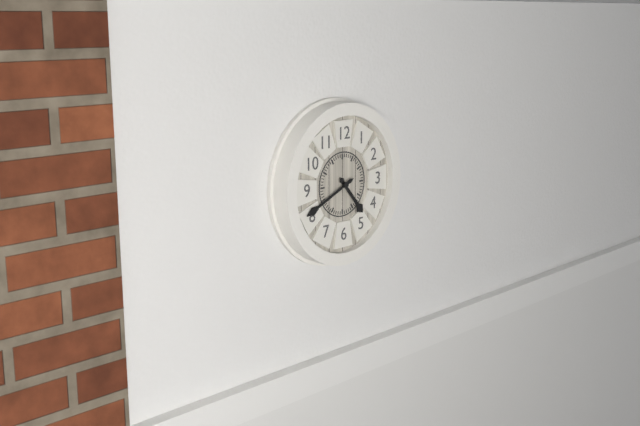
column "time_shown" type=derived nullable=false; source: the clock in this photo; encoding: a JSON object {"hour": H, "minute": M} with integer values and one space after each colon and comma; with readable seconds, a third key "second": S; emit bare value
{"hour": 4, "minute": 41}
